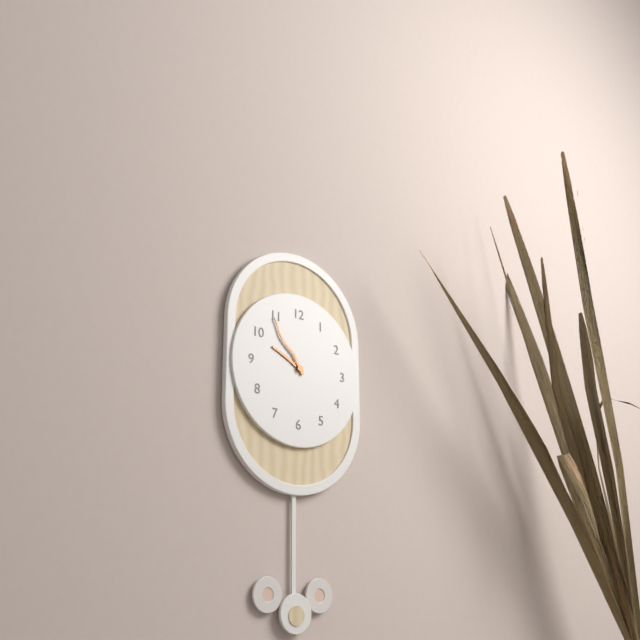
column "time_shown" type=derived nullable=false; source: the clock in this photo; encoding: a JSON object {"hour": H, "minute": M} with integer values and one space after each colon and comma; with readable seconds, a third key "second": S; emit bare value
{"hour": 9, "minute": 54}
